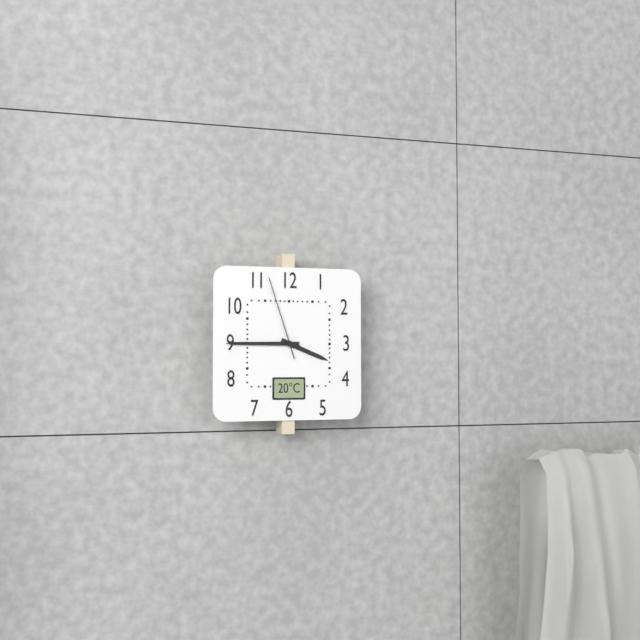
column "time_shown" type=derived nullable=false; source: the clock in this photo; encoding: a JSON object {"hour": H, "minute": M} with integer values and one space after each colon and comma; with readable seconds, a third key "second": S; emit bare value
{"hour": 3, "minute": 45, "second": 57}
